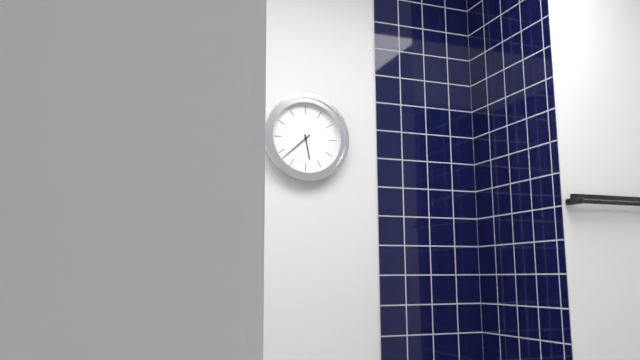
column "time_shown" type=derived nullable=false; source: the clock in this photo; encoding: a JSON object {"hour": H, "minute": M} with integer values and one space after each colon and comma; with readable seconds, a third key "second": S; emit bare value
{"hour": 5, "minute": 38}
